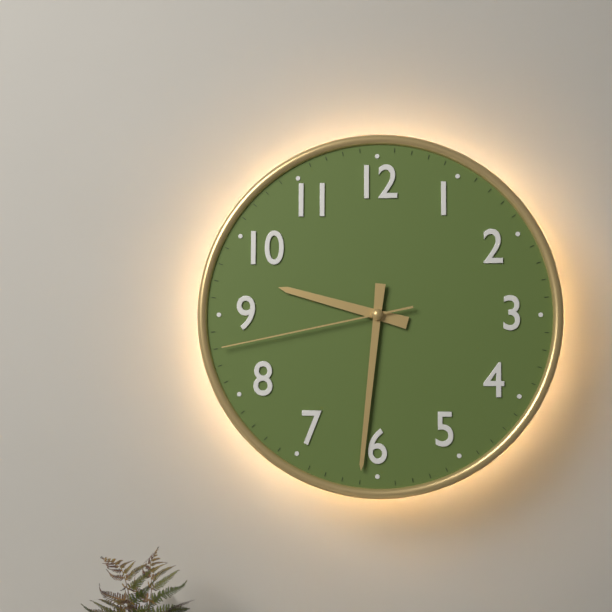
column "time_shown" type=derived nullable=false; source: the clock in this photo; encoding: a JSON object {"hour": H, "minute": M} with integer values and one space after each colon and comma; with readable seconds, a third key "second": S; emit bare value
{"hour": 9, "minute": 31, "second": 43}
